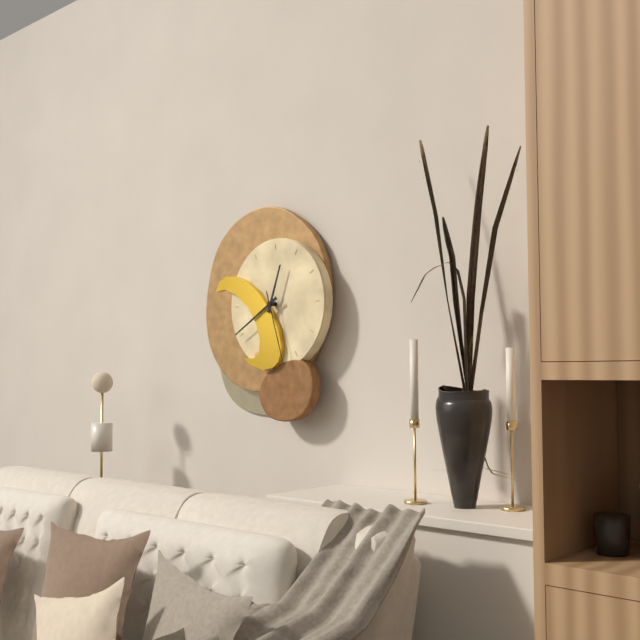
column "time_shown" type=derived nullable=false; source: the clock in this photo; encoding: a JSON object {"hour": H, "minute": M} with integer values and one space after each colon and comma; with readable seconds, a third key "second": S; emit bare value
{"hour": 12, "minute": 40, "second": 27}
